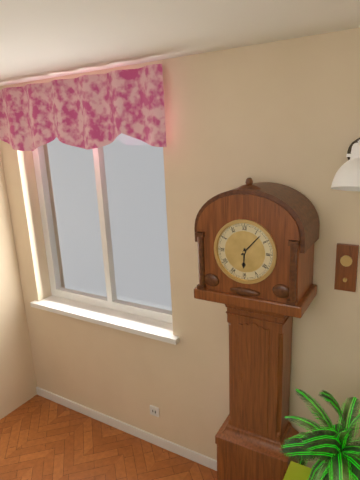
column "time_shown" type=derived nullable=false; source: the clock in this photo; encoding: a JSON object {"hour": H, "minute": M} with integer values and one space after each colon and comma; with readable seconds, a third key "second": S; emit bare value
{"hour": 6, "minute": 7}
